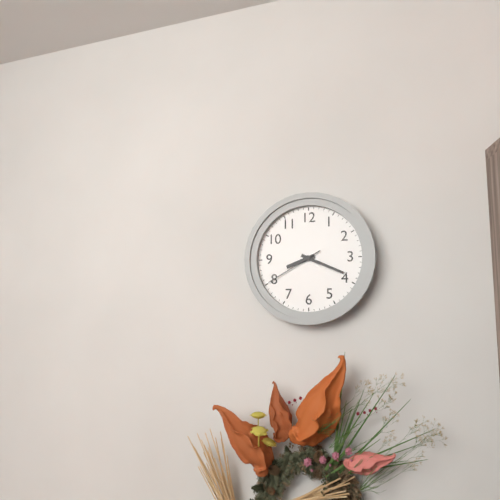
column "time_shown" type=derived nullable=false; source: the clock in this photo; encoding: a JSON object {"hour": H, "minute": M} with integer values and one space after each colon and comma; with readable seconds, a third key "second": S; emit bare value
{"hour": 8, "minute": 19, "second": 40}
